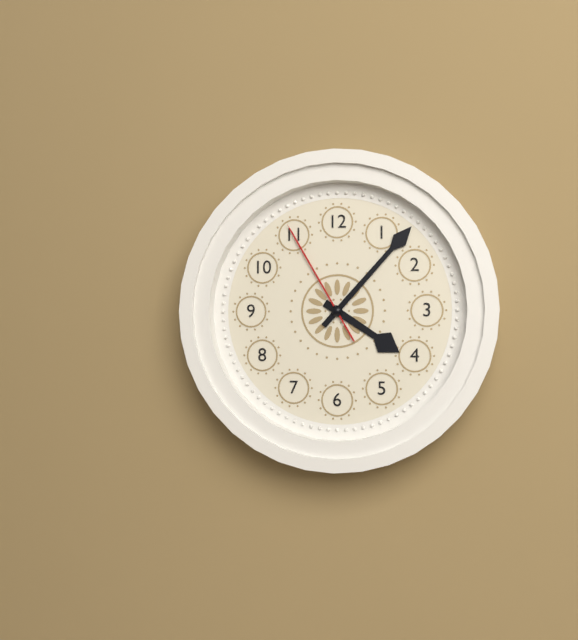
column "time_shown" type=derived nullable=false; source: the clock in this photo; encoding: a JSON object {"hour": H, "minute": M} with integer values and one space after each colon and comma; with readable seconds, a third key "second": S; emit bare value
{"hour": 4, "minute": 7, "second": 55}
